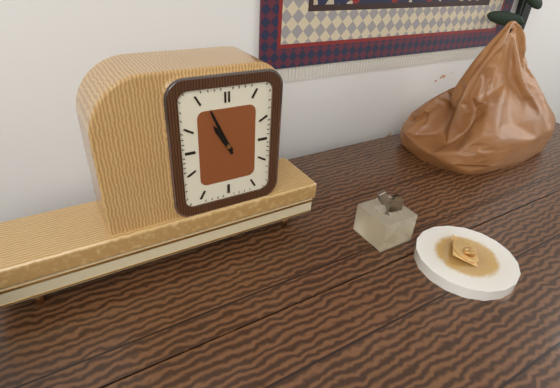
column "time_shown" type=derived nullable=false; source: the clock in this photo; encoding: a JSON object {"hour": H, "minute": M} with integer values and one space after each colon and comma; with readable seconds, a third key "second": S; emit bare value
{"hour": 10, "minute": 56}
